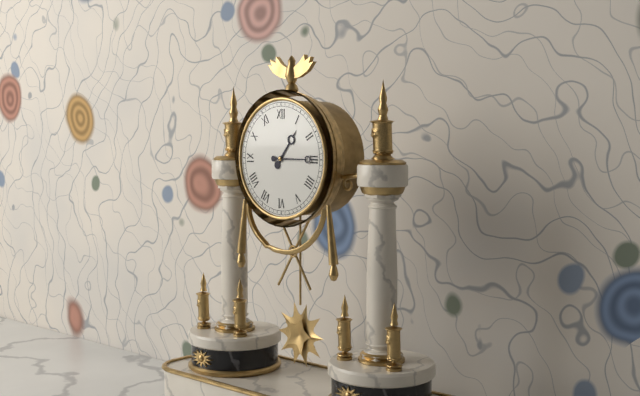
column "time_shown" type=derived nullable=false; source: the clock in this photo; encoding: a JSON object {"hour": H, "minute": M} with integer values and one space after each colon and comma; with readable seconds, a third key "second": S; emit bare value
{"hour": 1, "minute": 15}
